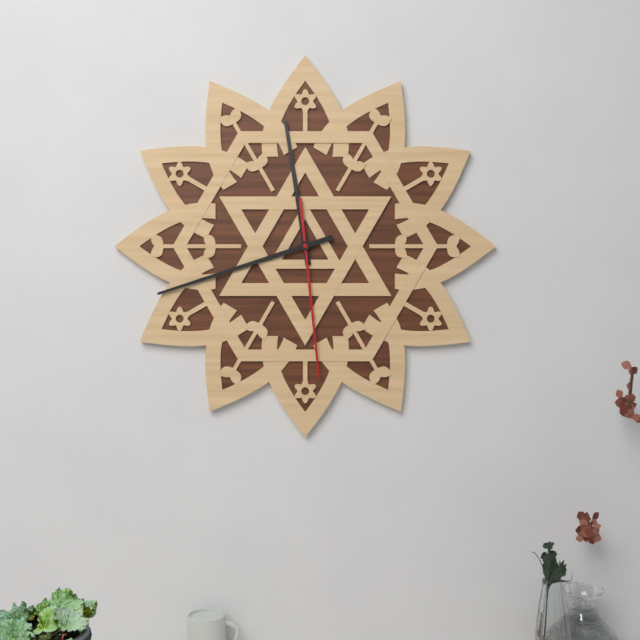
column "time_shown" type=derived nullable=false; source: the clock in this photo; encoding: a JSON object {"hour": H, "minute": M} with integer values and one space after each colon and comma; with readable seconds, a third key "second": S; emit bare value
{"hour": 11, "minute": 42, "second": 29}
